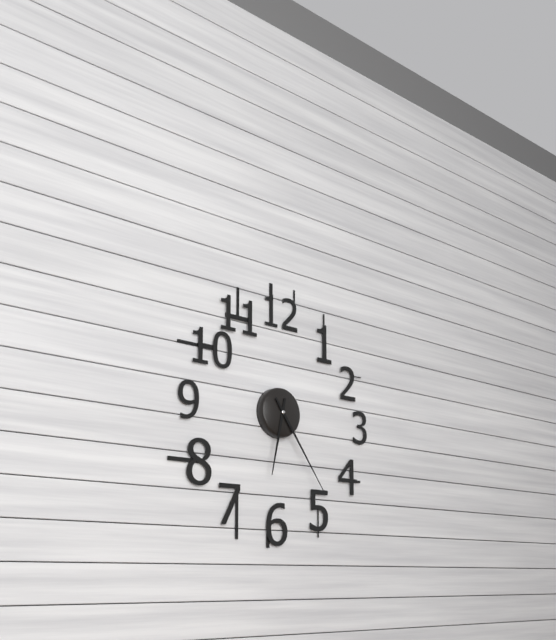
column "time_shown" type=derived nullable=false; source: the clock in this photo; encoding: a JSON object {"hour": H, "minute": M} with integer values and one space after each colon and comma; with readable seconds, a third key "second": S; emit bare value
{"hour": 6, "minute": 24}
